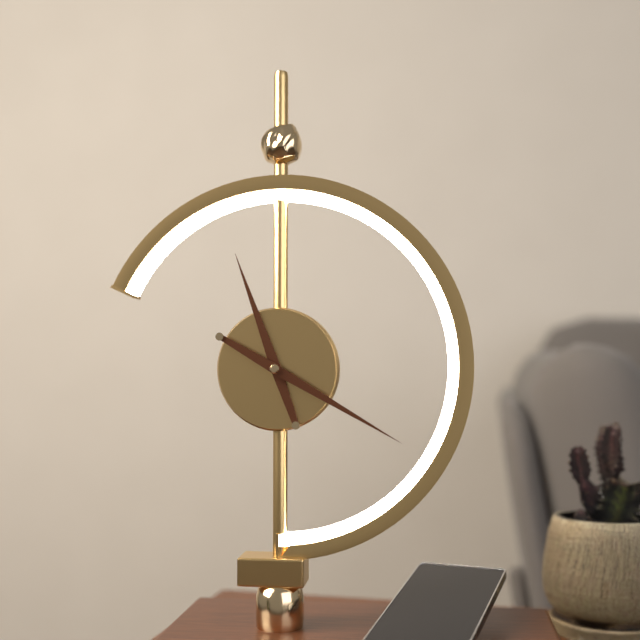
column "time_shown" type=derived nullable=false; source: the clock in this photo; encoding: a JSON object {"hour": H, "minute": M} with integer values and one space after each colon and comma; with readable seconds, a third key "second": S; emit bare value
{"hour": 11, "minute": 20}
